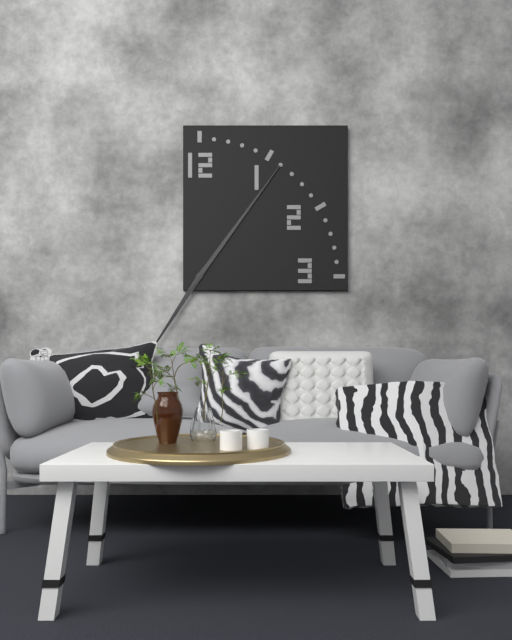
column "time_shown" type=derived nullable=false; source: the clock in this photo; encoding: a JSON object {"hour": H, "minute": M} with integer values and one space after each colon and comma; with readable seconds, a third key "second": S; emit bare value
{"hour": 7, "minute": 6}
